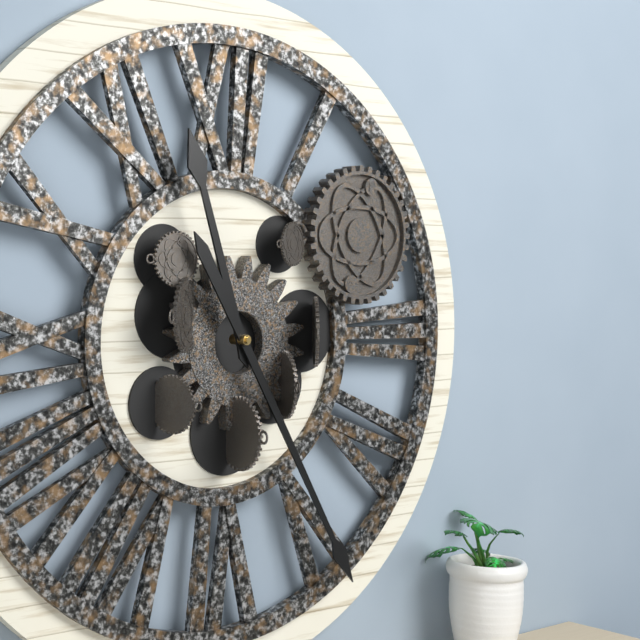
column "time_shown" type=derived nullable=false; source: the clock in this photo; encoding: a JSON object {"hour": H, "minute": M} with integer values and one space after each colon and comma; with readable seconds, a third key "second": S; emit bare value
{"hour": 11, "minute": 25}
